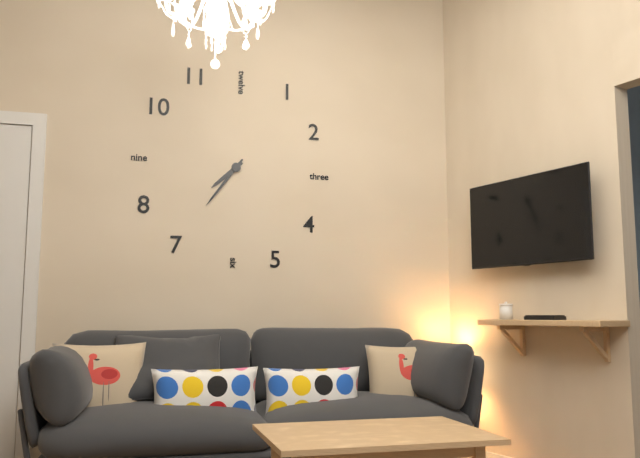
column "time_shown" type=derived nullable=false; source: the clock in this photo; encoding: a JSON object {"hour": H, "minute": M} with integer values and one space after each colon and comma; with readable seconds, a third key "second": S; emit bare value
{"hour": 7, "minute": 36}
